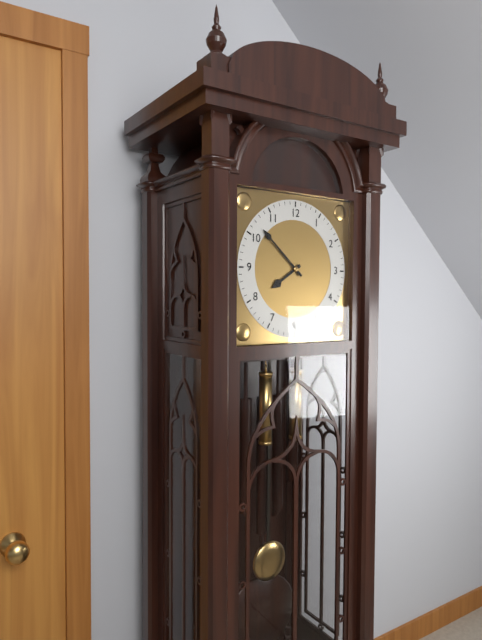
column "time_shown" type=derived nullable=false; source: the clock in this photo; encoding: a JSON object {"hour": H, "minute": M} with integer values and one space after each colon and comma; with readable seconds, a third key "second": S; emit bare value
{"hour": 7, "minute": 52}
